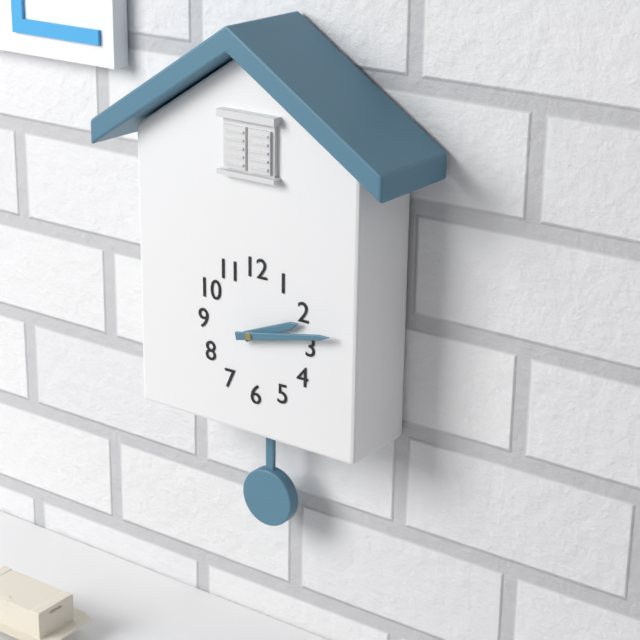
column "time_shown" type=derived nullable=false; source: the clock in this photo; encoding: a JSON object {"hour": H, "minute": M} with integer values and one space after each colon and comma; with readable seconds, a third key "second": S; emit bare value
{"hour": 2, "minute": 13}
